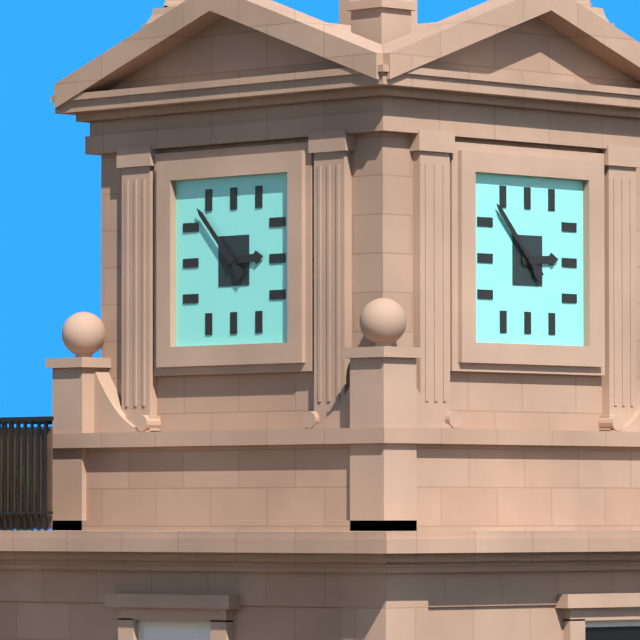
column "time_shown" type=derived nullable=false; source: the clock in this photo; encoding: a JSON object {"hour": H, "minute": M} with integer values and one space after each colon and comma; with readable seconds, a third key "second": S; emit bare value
{"hour": 2, "minute": 53}
